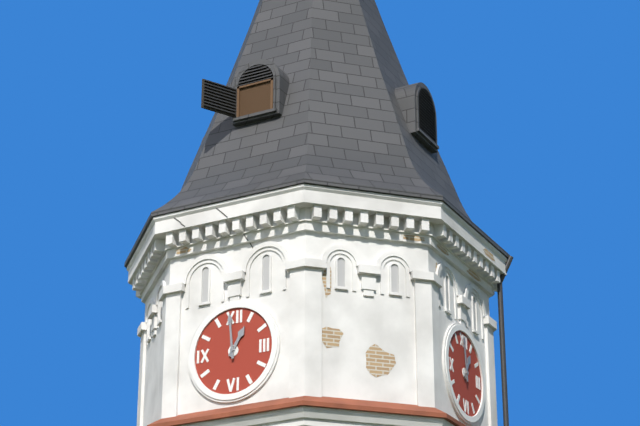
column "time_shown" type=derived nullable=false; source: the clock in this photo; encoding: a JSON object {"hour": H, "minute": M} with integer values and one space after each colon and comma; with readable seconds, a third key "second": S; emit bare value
{"hour": 12, "minute": 59}
